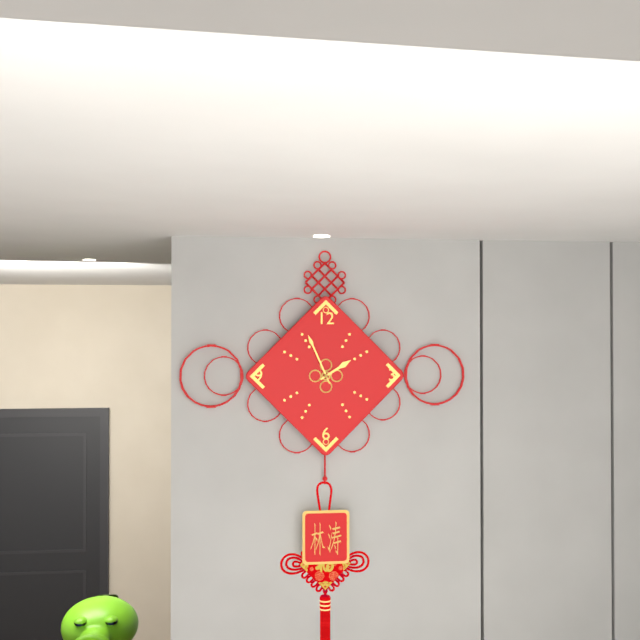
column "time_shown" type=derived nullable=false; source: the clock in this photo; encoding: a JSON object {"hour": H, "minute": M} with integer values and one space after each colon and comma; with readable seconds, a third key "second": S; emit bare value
{"hour": 1, "minute": 56}
